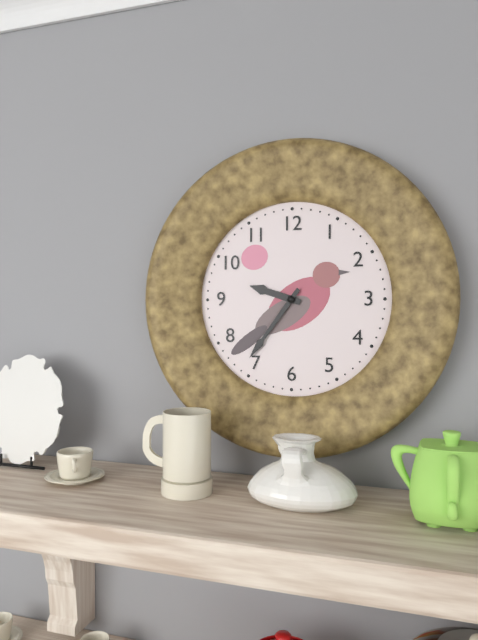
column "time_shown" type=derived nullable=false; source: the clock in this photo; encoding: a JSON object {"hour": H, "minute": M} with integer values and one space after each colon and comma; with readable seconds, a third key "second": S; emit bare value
{"hour": 9, "minute": 36}
